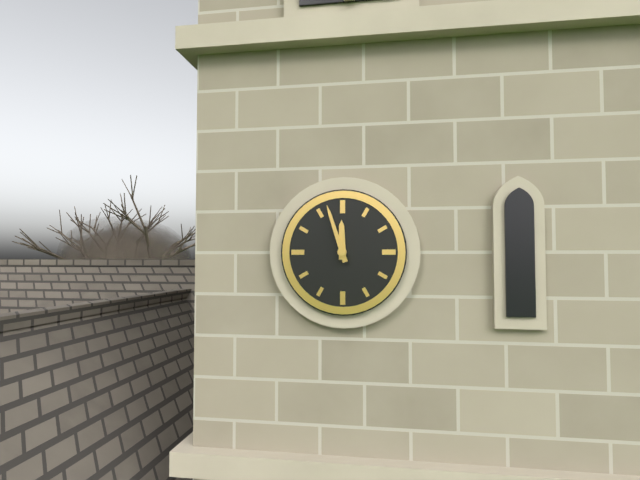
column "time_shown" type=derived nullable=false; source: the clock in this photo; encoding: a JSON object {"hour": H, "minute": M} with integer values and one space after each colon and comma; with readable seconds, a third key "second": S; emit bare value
{"hour": 11, "minute": 57}
